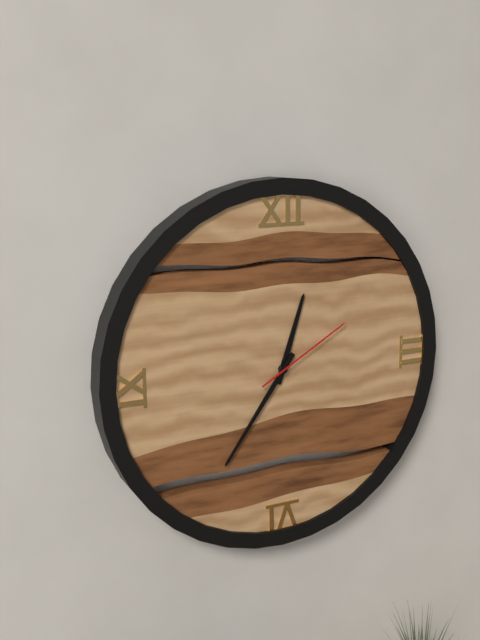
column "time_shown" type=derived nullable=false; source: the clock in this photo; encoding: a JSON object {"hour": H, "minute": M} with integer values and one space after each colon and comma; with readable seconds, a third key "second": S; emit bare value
{"hour": 12, "minute": 36, "second": 10}
